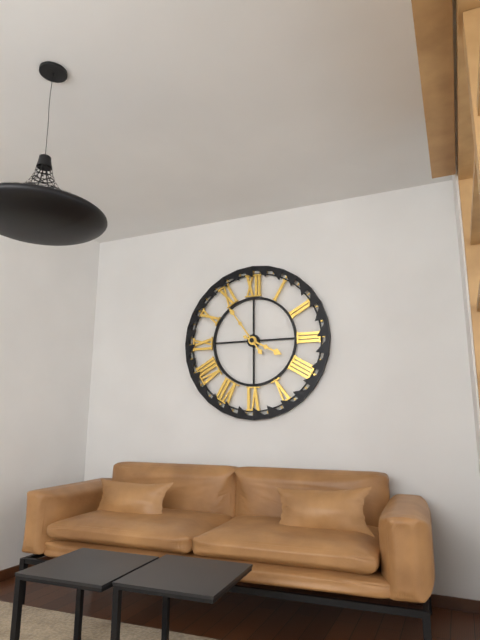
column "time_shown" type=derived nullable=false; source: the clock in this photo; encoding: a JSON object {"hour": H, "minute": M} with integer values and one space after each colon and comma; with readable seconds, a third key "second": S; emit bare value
{"hour": 3, "minute": 54}
